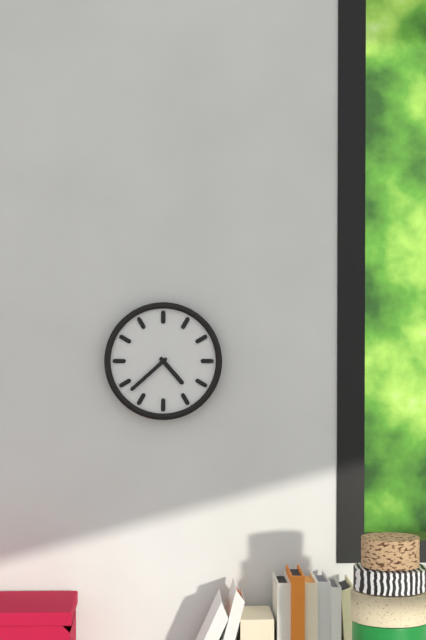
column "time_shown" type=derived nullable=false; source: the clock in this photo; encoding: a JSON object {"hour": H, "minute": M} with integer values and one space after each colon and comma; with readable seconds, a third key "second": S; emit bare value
{"hour": 4, "minute": 38}
